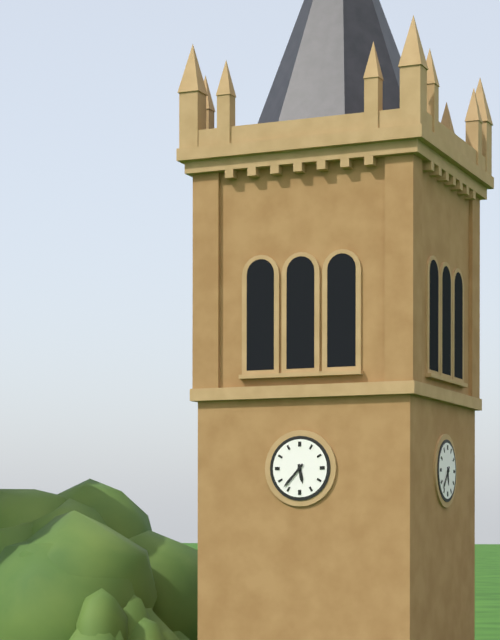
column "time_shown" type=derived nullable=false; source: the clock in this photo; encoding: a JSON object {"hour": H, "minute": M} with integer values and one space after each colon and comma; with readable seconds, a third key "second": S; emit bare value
{"hour": 5, "minute": 37}
